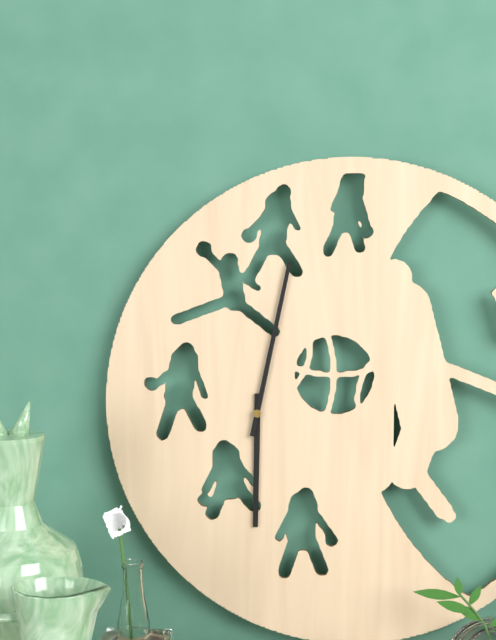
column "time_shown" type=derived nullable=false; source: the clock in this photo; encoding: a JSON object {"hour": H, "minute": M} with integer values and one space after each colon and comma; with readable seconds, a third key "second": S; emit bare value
{"hour": 6, "minute": 2}
